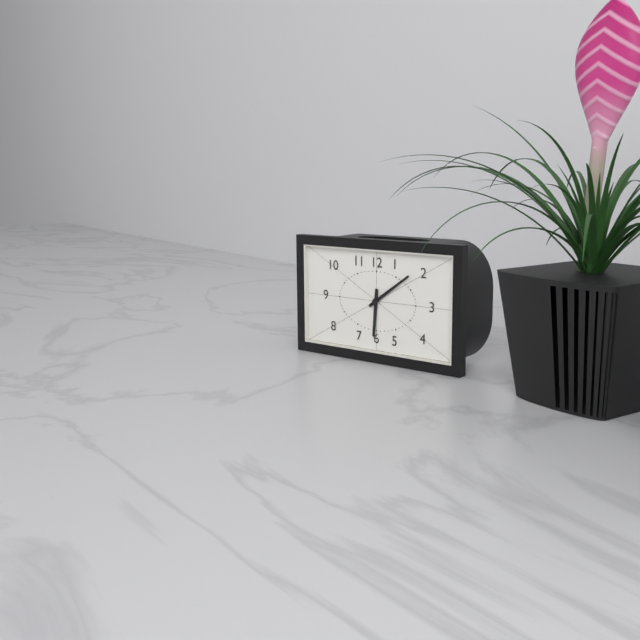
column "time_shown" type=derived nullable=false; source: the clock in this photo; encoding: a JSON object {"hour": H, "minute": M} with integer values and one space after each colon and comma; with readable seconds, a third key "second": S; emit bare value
{"hour": 6, "minute": 9}
